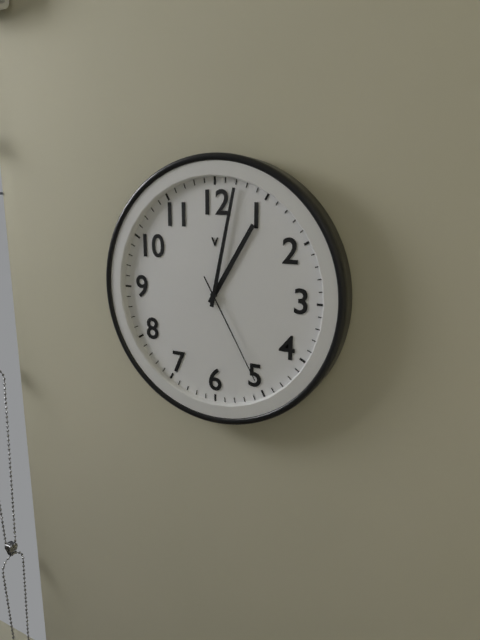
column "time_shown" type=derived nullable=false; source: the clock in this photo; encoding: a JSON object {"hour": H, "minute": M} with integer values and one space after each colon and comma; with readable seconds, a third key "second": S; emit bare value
{"hour": 1, "minute": 2, "second": 25}
